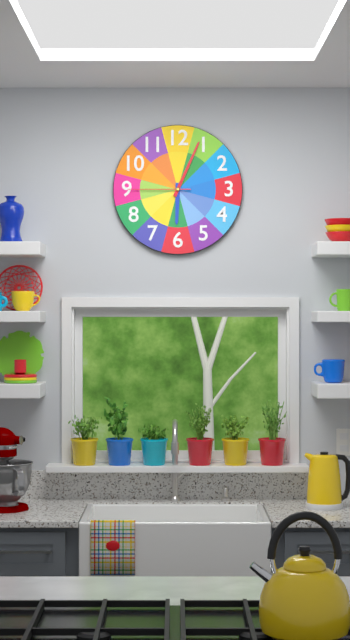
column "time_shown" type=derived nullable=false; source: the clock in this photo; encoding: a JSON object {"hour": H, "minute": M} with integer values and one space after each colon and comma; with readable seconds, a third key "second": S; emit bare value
{"hour": 6, "minute": 4, "second": 45}
